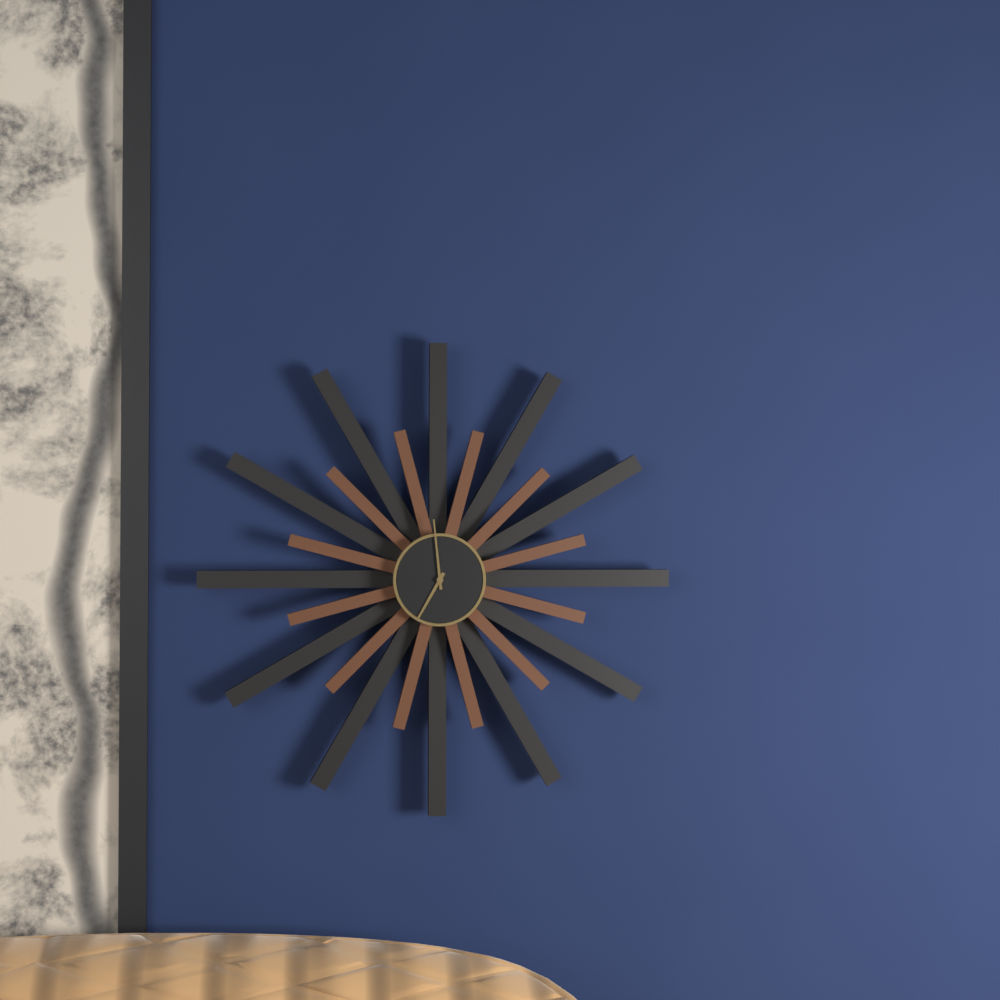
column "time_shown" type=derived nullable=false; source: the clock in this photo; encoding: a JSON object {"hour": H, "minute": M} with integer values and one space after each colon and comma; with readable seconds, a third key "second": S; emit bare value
{"hour": 6, "minute": 59}
